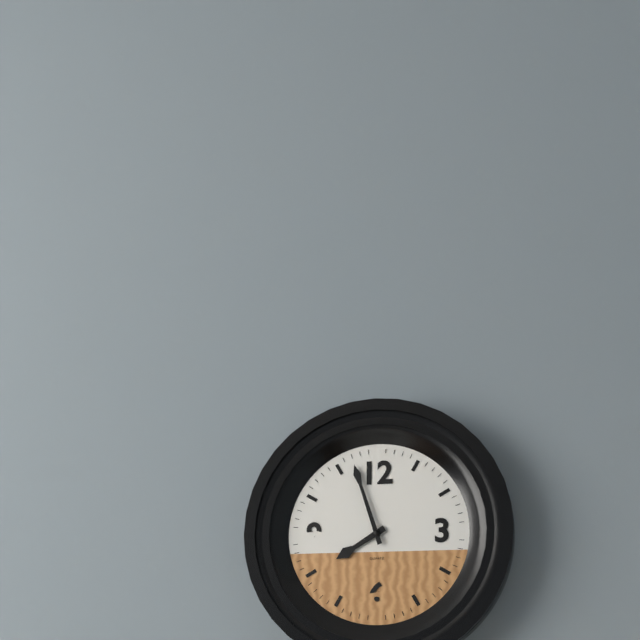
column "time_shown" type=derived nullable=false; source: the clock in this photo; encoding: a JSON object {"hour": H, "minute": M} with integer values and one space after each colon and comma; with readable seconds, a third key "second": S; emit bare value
{"hour": 7, "minute": 57}
